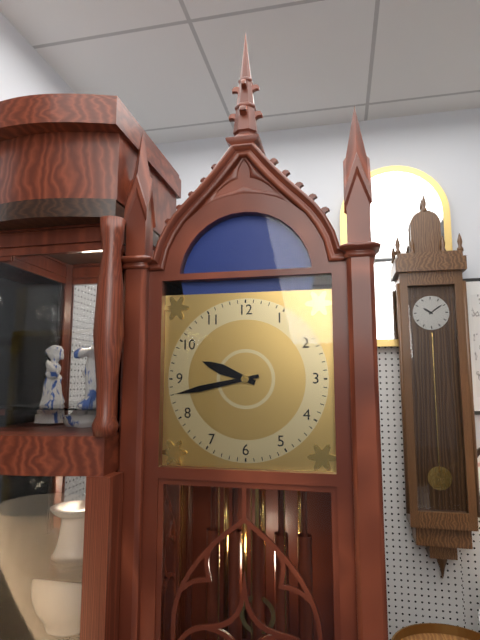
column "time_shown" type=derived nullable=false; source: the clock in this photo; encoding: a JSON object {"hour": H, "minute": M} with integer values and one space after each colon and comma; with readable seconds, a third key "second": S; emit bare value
{"hour": 9, "minute": 43}
